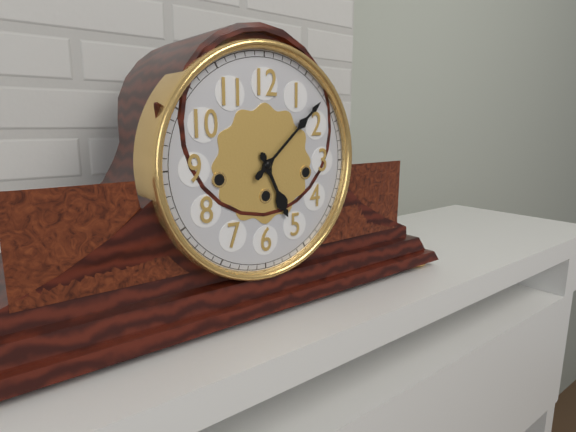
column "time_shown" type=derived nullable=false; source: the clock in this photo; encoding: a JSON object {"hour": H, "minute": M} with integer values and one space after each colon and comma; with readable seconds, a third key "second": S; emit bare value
{"hour": 5, "minute": 8}
